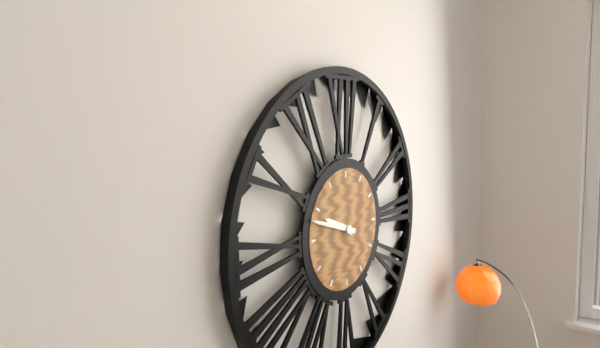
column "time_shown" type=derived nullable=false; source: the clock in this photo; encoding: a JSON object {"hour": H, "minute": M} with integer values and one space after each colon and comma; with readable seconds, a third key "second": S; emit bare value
{"hour": 9, "minute": 48}
